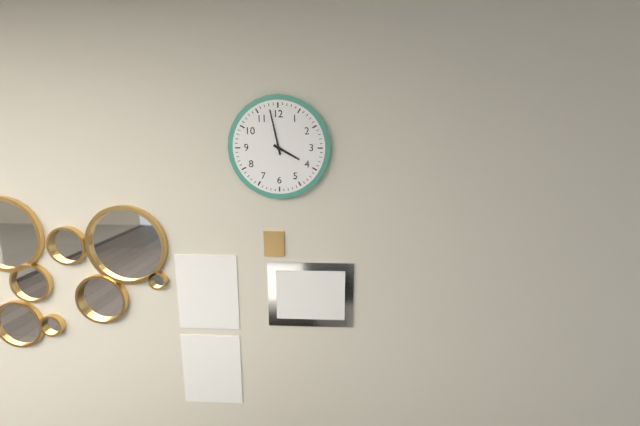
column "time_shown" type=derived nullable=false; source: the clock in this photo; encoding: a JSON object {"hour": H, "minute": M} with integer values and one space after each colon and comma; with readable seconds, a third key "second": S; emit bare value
{"hour": 3, "minute": 58}
